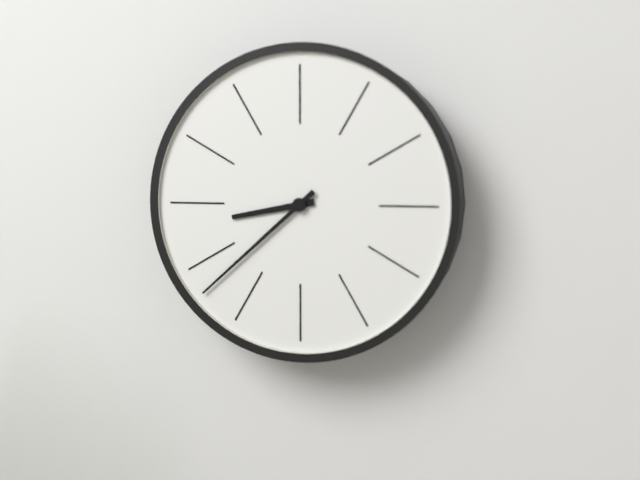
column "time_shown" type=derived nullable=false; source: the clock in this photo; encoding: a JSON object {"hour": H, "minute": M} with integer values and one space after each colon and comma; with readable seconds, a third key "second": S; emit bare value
{"hour": 8, "minute": 38}
